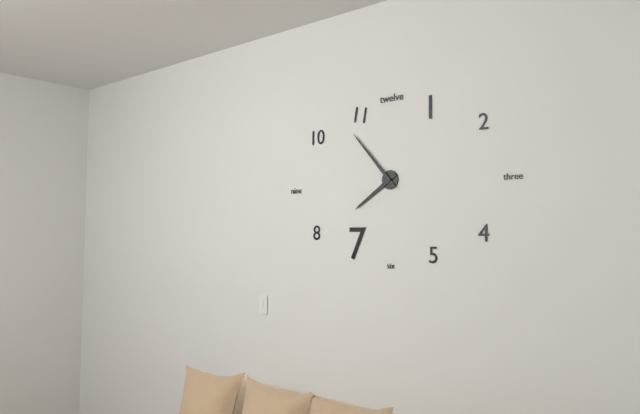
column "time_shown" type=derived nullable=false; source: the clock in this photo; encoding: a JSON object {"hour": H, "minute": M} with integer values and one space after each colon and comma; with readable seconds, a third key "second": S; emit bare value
{"hour": 7, "minute": 53}
